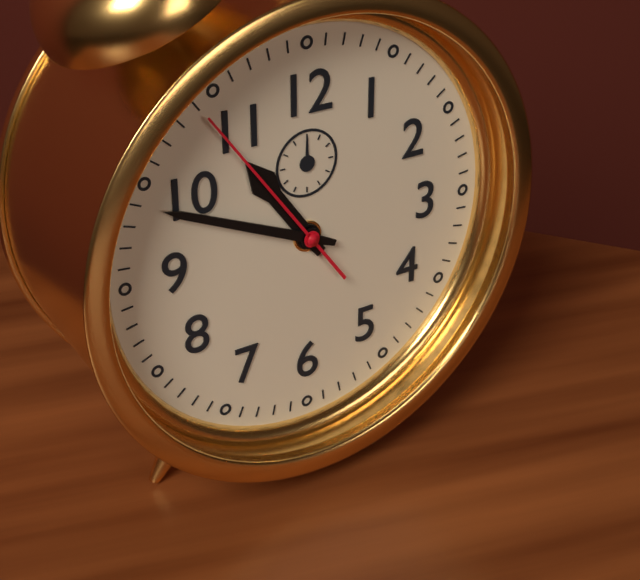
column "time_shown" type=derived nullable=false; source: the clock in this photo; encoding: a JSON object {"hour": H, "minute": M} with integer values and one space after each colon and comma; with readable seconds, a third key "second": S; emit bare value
{"hour": 10, "minute": 49, "second": 54}
